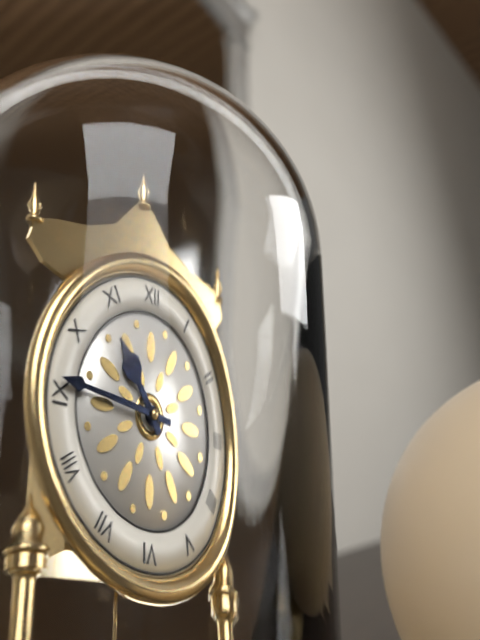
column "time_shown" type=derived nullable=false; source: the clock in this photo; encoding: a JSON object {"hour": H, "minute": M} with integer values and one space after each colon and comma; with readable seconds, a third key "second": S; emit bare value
{"hour": 10, "minute": 46}
